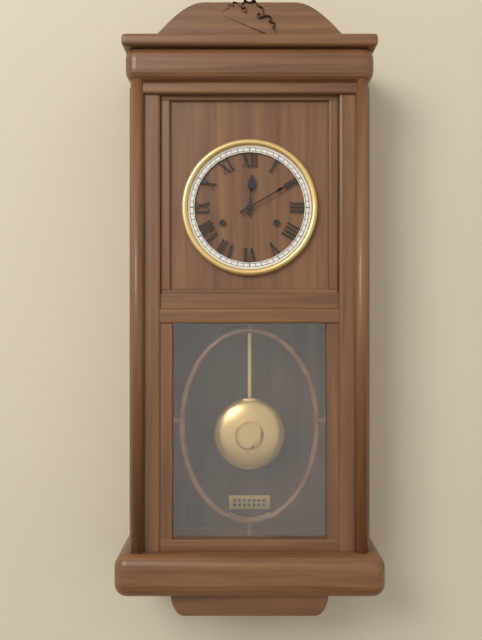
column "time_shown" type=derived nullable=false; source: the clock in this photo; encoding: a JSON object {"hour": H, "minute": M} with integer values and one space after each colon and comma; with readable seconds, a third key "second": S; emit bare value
{"hour": 12, "minute": 10}
